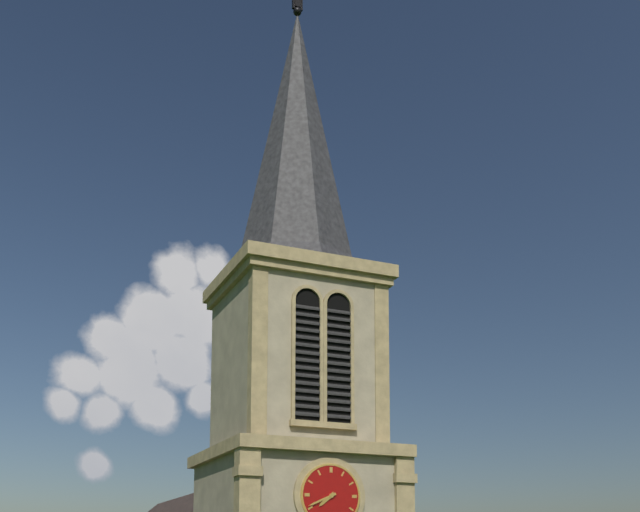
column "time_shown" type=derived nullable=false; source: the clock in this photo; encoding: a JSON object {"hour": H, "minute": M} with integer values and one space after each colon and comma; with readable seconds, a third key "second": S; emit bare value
{"hour": 7, "minute": 41}
